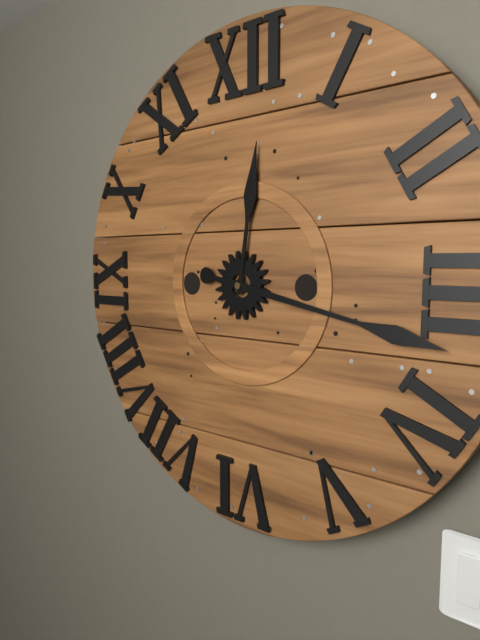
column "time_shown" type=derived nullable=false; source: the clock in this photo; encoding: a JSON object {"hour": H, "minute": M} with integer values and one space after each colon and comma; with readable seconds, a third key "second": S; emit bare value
{"hour": 12, "minute": 17}
